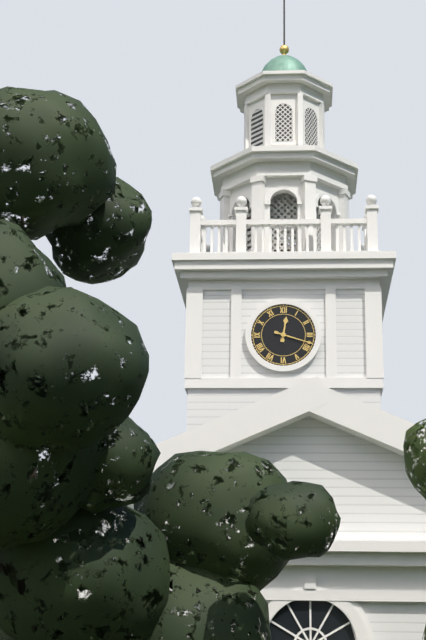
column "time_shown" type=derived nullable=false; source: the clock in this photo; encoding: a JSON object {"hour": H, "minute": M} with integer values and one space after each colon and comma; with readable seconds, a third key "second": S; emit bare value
{"hour": 12, "minute": 18}
